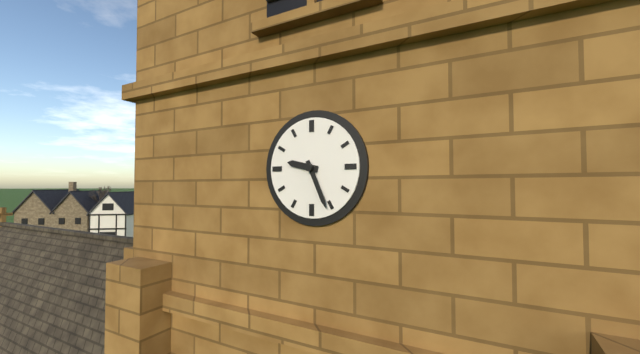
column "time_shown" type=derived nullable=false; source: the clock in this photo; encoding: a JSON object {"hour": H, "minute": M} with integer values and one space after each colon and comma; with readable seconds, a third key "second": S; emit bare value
{"hour": 9, "minute": 26}
